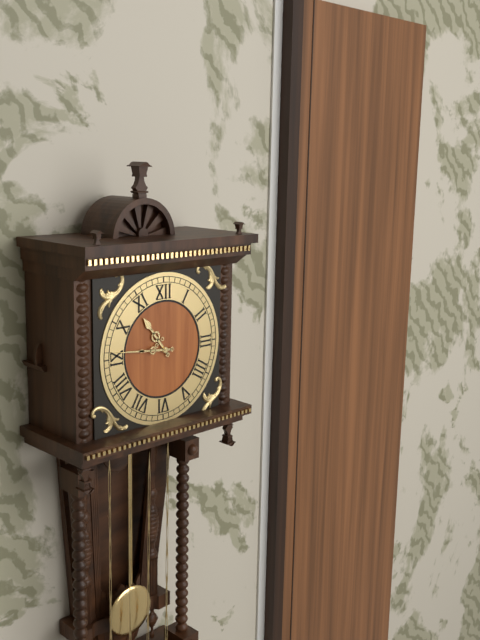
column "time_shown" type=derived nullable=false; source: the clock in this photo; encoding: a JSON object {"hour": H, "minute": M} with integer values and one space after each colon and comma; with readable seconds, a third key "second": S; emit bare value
{"hour": 10, "minute": 46}
